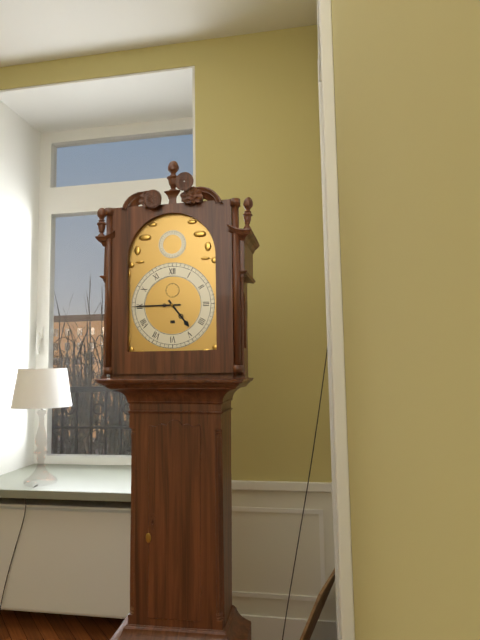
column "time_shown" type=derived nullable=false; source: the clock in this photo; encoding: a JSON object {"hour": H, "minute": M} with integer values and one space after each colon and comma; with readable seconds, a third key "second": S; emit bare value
{"hour": 4, "minute": 45}
